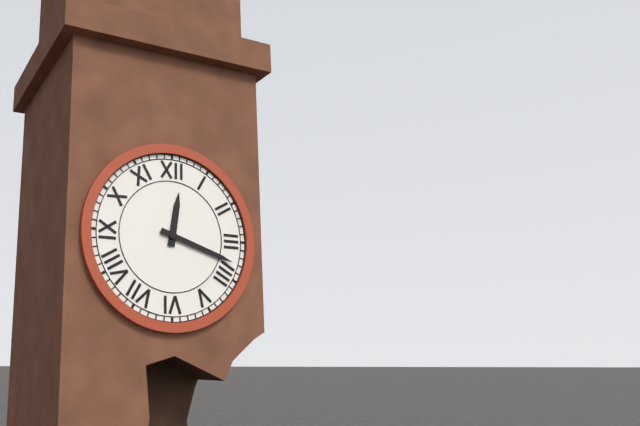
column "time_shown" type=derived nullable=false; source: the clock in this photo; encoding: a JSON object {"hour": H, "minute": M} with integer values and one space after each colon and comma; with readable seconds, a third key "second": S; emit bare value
{"hour": 12, "minute": 18}
